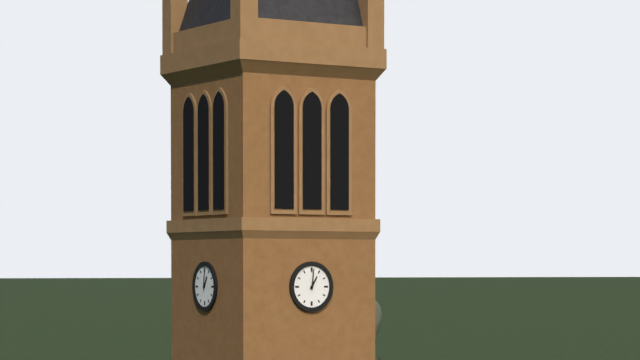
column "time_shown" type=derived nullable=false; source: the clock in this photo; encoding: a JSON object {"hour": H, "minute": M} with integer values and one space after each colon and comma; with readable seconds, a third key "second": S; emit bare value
{"hour": 1, "minute": 1}
